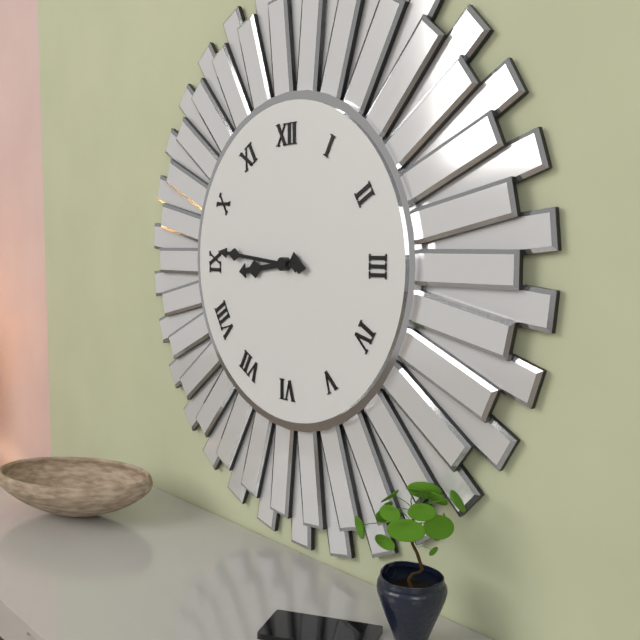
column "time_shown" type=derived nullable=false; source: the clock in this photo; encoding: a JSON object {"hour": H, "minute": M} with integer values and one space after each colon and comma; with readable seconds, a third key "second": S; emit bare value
{"hour": 8, "minute": 46}
